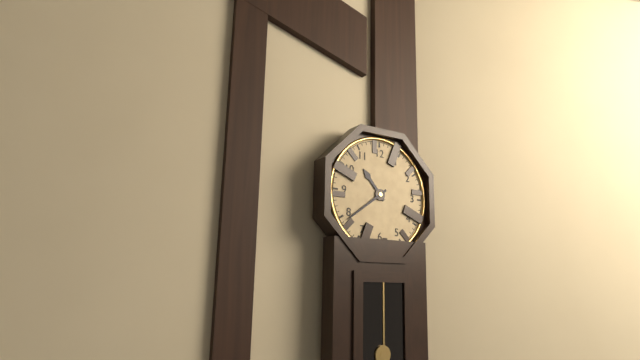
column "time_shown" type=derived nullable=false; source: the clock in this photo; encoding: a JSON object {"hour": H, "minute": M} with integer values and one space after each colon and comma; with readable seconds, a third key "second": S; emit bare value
{"hour": 10, "minute": 39}
